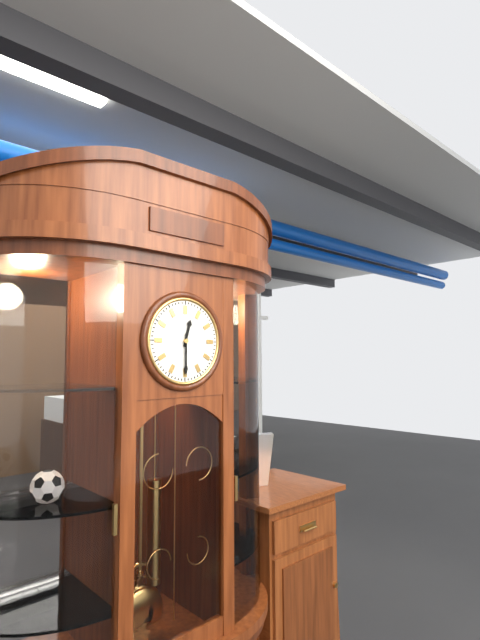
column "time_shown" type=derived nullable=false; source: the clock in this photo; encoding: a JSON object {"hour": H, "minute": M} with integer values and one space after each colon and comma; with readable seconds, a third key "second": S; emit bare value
{"hour": 12, "minute": 30}
